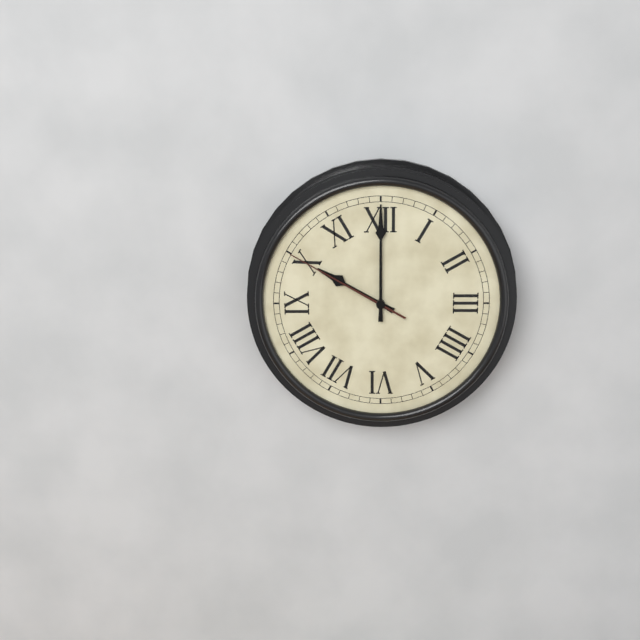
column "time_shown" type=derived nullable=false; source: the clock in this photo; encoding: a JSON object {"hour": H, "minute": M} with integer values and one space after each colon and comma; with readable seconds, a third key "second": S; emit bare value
{"hour": 10, "minute": 0, "second": 50}
